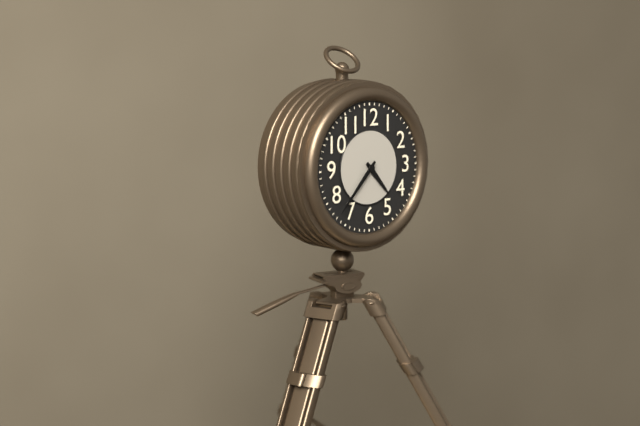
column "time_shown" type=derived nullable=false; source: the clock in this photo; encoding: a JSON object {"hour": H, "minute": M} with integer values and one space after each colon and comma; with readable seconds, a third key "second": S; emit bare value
{"hour": 4, "minute": 37}
